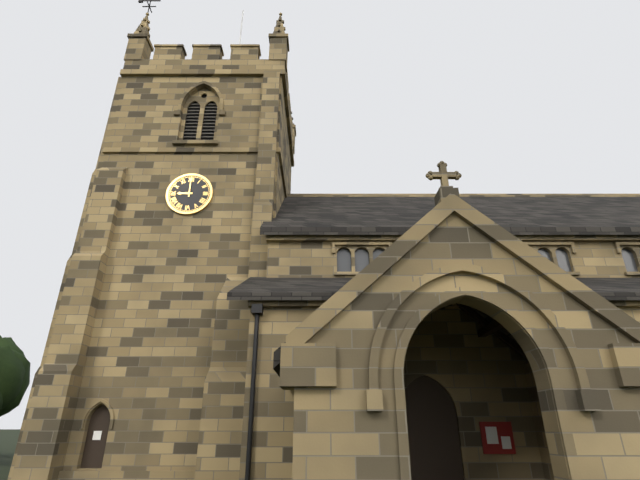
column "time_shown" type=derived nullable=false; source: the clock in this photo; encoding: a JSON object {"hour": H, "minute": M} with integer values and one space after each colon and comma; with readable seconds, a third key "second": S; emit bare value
{"hour": 9, "minute": 0}
